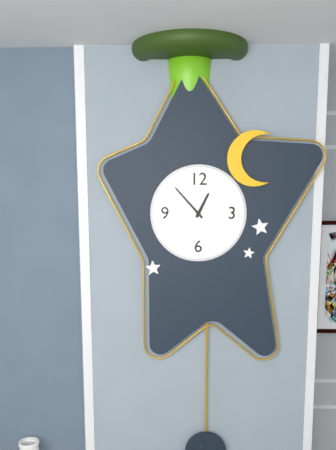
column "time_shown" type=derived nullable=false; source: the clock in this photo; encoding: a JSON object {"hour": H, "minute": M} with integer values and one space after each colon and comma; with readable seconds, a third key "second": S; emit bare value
{"hour": 12, "minute": 53}
